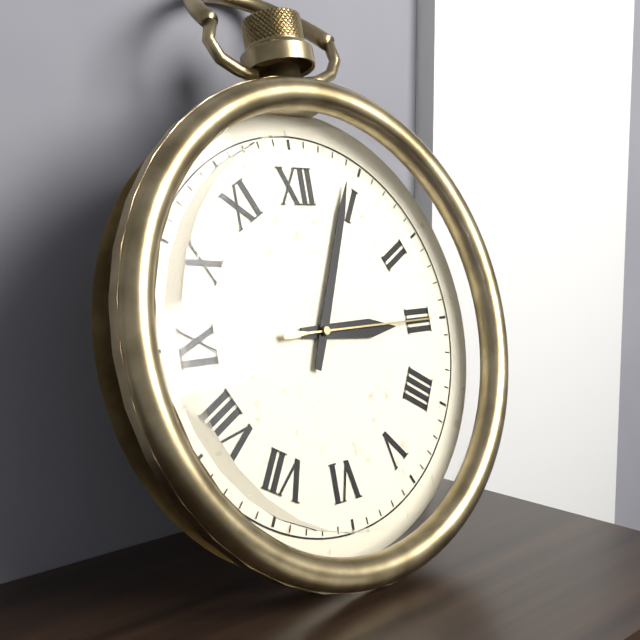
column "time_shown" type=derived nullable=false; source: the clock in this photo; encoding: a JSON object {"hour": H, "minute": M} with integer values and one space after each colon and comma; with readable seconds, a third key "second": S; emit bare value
{"hour": 3, "minute": 4, "second": 15}
